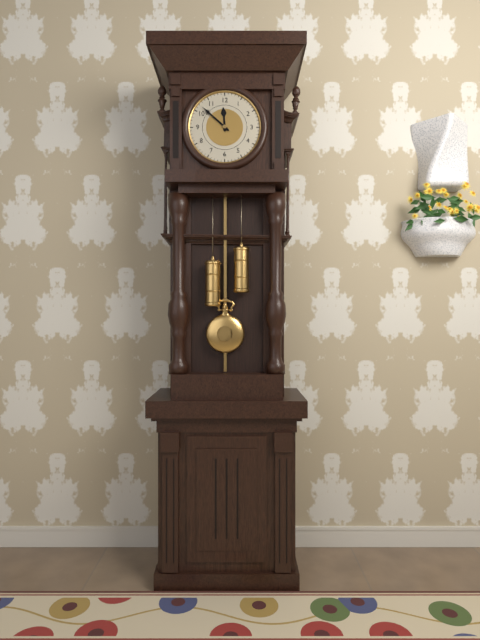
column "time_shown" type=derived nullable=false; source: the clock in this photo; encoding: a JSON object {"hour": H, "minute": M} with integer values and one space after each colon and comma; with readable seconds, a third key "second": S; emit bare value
{"hour": 11, "minute": 52}
